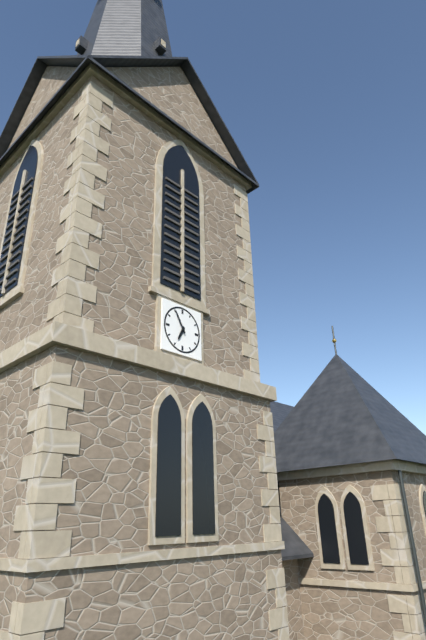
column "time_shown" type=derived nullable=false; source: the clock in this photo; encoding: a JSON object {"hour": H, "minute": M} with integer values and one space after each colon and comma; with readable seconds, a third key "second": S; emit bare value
{"hour": 6, "minute": 55}
